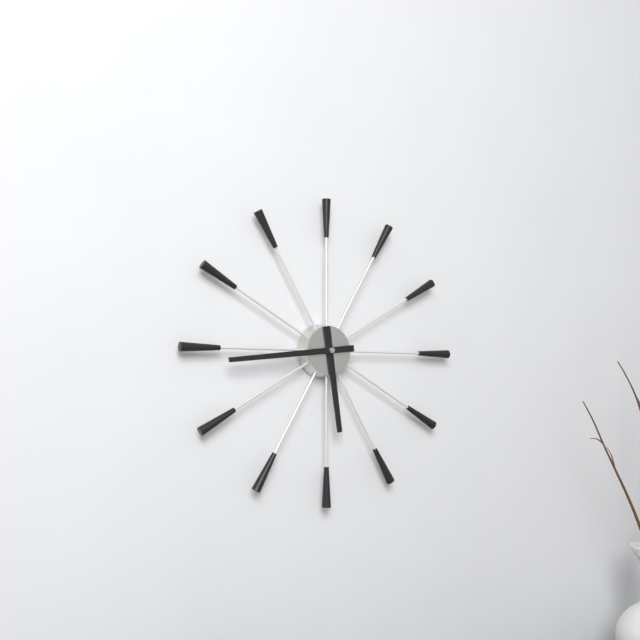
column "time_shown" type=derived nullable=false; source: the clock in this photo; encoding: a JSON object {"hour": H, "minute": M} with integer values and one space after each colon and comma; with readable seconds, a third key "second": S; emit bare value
{"hour": 5, "minute": 44}
